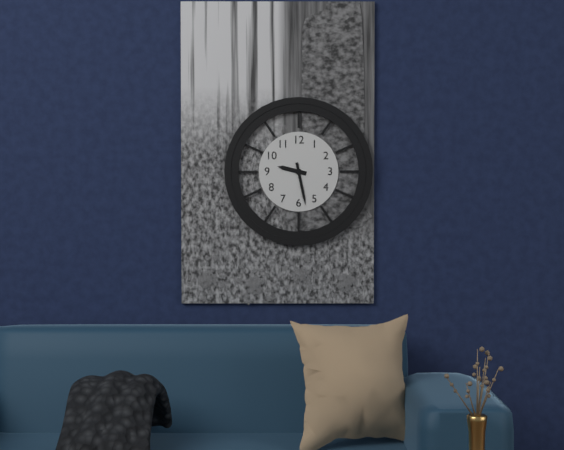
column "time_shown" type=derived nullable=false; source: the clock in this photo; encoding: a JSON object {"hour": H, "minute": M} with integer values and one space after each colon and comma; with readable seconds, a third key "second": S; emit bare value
{"hour": 9, "minute": 28}
